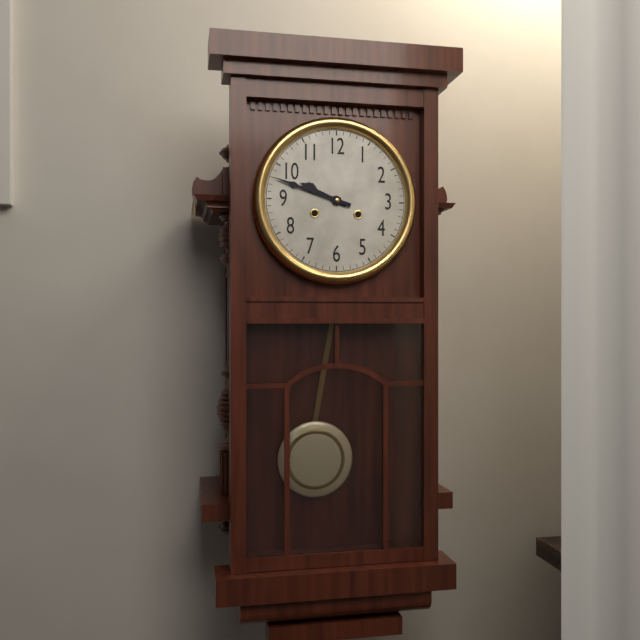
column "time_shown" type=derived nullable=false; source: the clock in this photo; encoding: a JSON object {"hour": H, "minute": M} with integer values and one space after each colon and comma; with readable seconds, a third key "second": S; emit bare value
{"hour": 9, "minute": 48}
